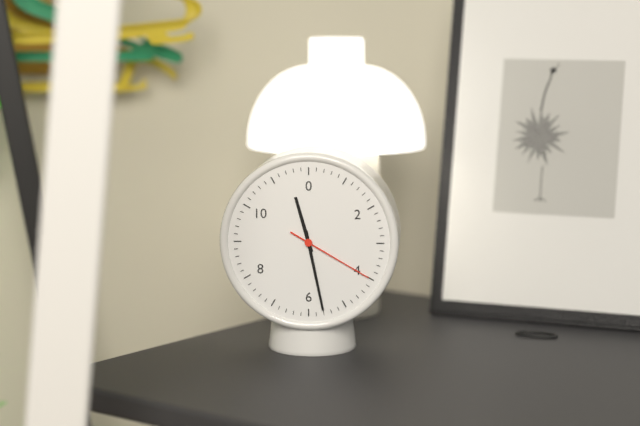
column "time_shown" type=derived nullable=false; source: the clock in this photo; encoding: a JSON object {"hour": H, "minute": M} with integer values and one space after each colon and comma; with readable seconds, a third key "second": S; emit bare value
{"hour": 11, "minute": 28, "second": 20}
